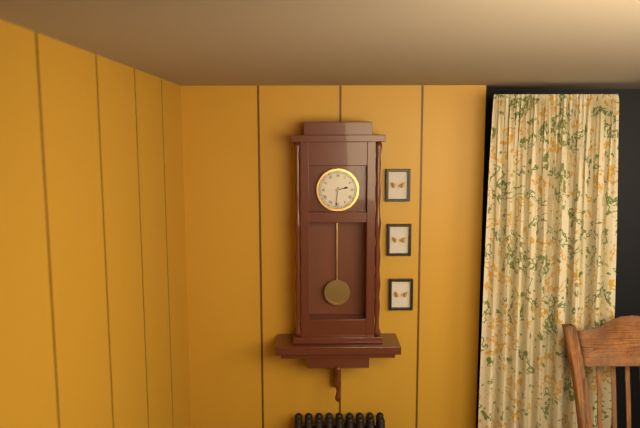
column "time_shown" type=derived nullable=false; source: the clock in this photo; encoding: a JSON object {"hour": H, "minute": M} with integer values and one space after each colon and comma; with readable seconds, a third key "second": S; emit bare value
{"hour": 2, "minute": 31}
